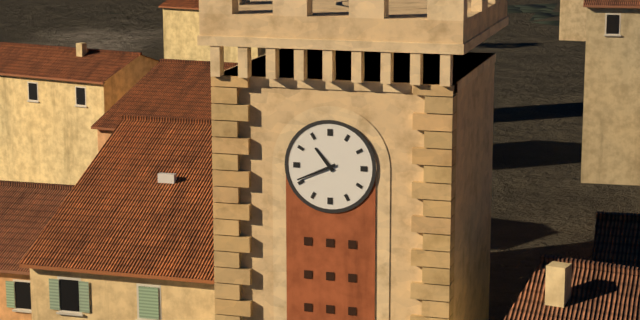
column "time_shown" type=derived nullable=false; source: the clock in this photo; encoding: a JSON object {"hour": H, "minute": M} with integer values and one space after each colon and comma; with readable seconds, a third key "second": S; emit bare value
{"hour": 10, "minute": 41}
